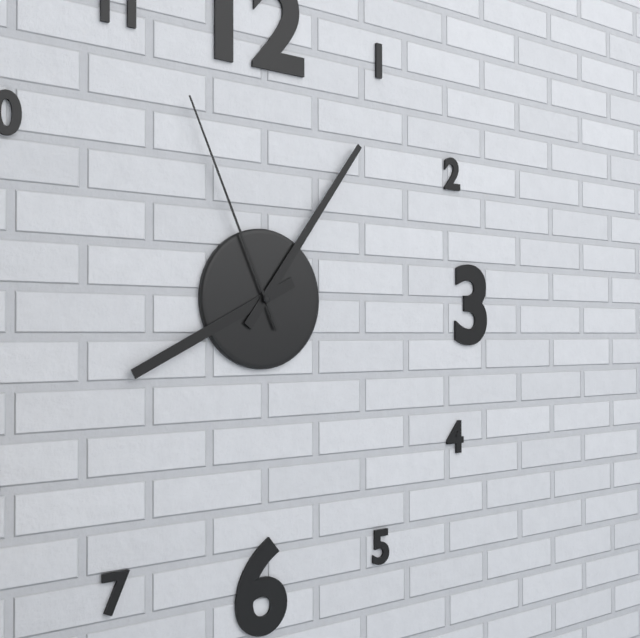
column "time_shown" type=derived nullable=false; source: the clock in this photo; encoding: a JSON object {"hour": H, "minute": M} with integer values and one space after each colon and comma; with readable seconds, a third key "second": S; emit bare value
{"hour": 8, "minute": 6, "second": 56}
